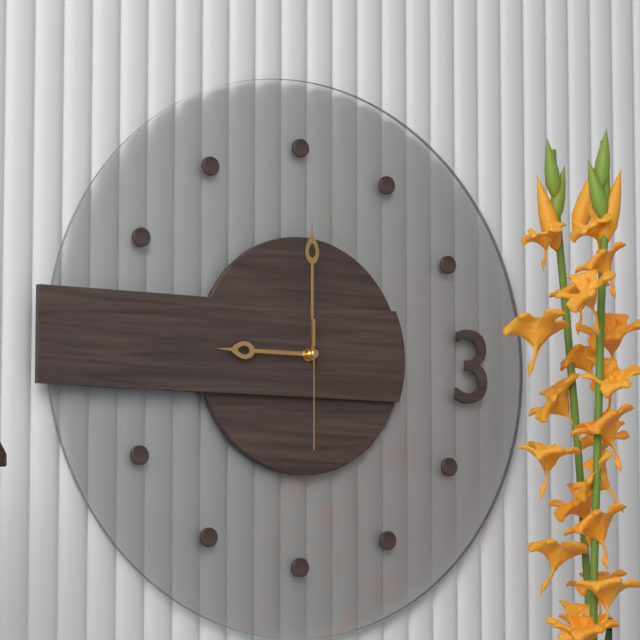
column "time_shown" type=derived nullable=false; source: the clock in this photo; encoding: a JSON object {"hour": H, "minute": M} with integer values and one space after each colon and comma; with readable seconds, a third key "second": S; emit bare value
{"hour": 9, "minute": 0, "second": 30}
